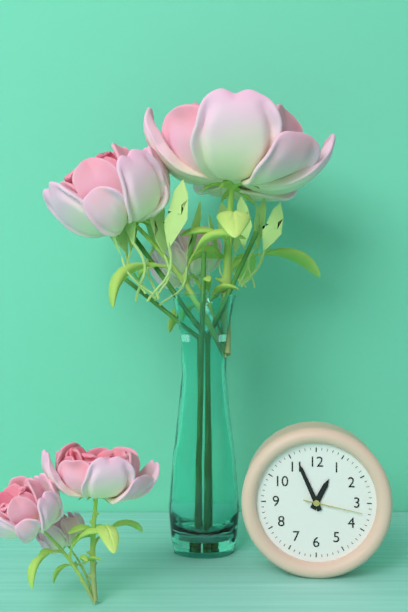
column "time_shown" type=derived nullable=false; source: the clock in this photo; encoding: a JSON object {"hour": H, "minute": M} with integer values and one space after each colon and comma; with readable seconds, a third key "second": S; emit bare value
{"hour": 12, "minute": 56, "second": 17}
